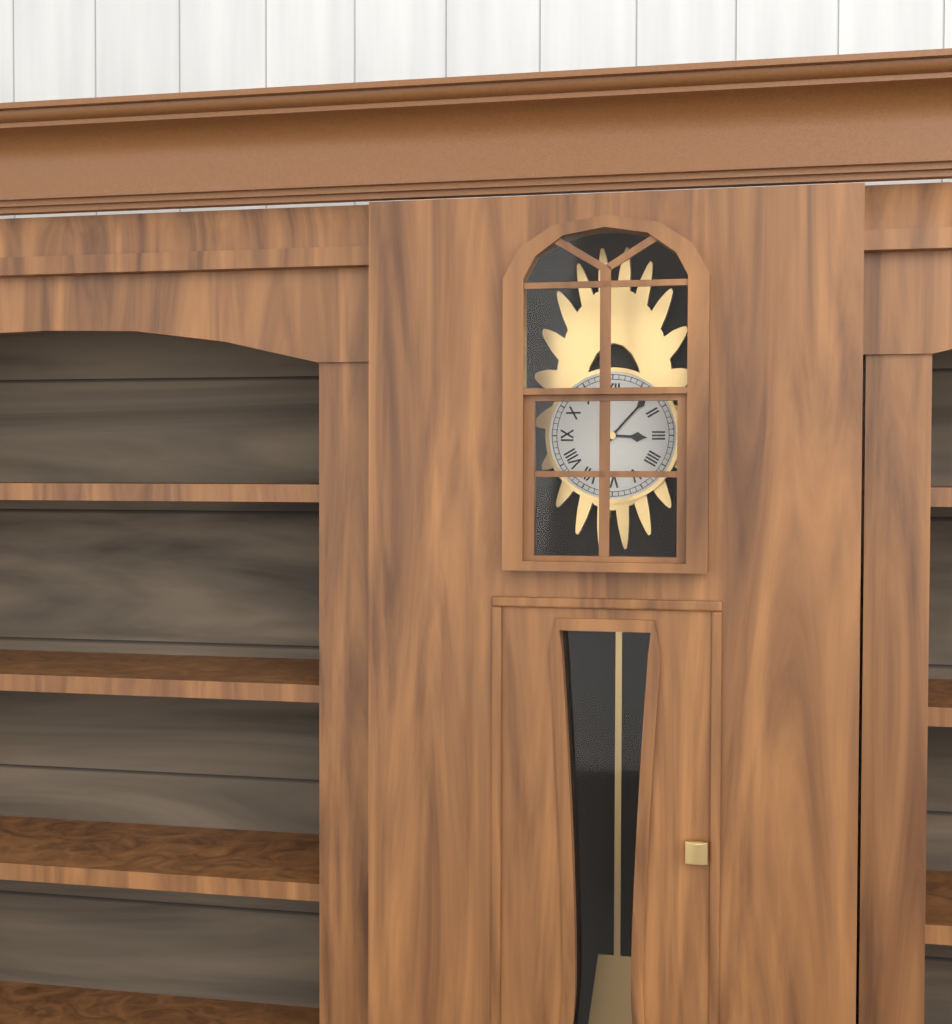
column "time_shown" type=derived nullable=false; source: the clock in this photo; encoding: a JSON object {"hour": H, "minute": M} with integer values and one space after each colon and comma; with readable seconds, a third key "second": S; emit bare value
{"hour": 3, "minute": 7}
